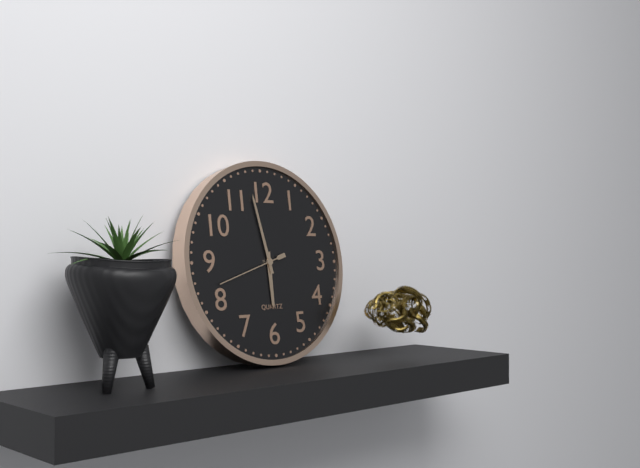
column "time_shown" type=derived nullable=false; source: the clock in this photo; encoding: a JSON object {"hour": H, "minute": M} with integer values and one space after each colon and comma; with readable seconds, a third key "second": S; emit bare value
{"hour": 5, "minute": 58, "second": 42}
